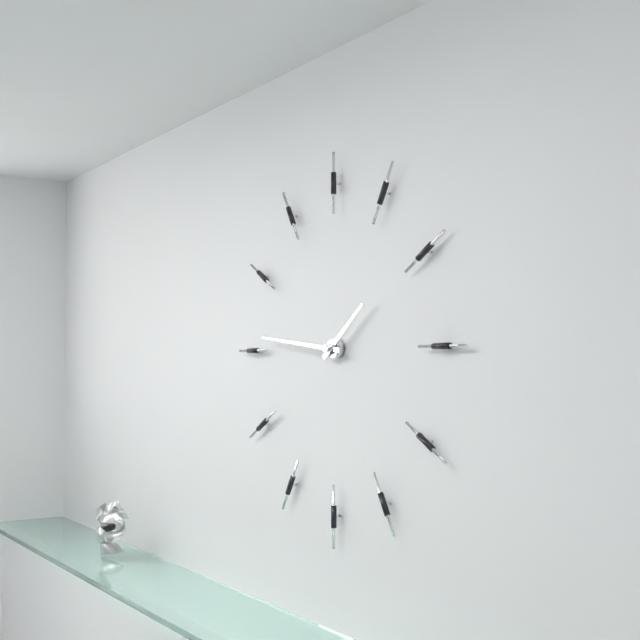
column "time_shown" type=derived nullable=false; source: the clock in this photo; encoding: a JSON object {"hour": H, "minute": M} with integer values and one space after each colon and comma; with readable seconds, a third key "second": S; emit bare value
{"hour": 1, "minute": 46}
